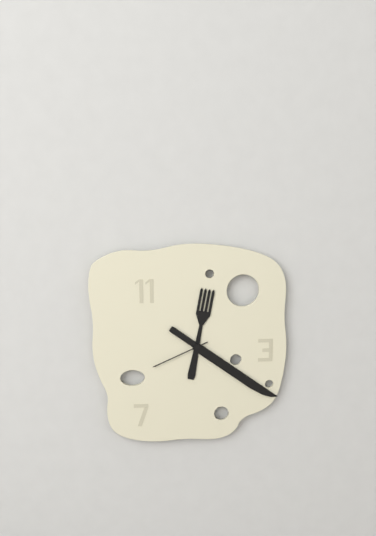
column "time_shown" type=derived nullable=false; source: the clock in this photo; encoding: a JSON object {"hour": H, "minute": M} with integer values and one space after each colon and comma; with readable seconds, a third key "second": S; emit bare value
{"hour": 12, "minute": 21, "second": 41}
